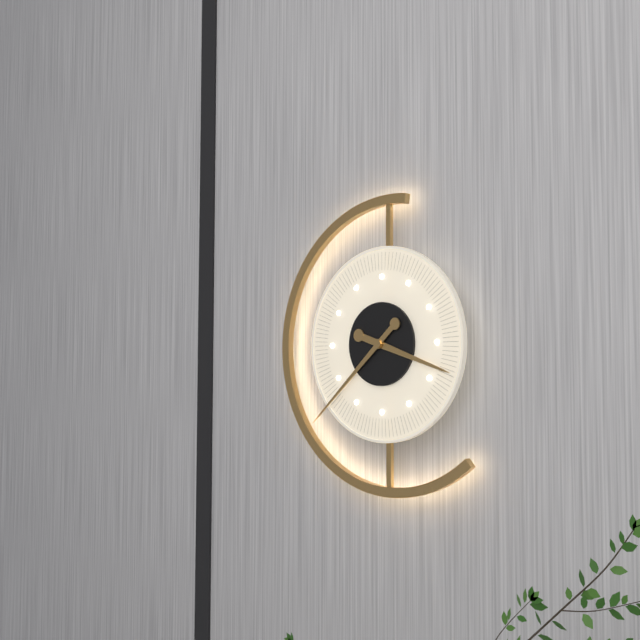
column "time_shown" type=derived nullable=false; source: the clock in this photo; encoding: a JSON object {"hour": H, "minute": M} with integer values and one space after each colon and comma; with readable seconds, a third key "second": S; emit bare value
{"hour": 3, "minute": 38}
